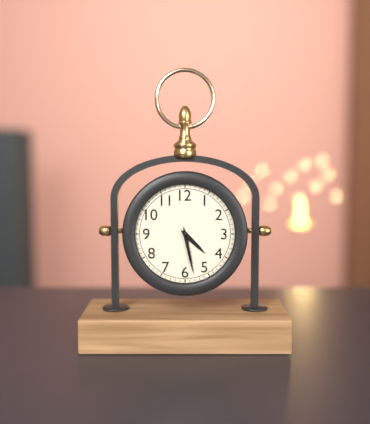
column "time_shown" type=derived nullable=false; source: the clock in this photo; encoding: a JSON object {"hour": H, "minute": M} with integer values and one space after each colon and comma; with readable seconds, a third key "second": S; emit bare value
{"hour": 4, "minute": 28}
